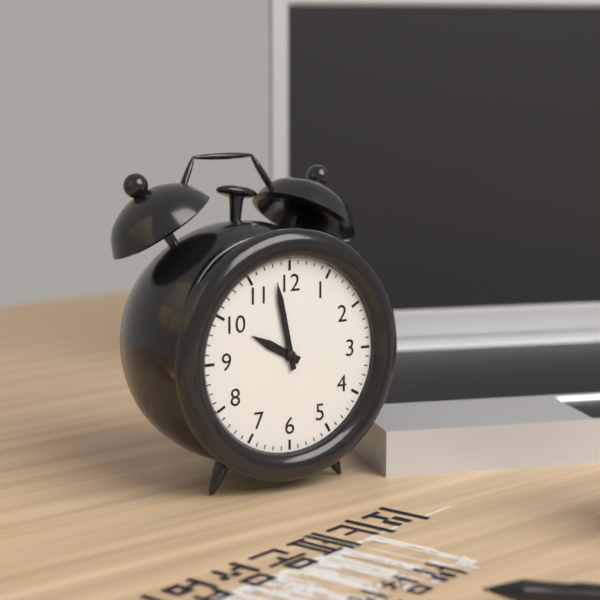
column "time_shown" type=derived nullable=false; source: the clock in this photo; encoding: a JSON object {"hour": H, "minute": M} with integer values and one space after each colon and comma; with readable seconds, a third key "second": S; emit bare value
{"hour": 9, "minute": 58}
